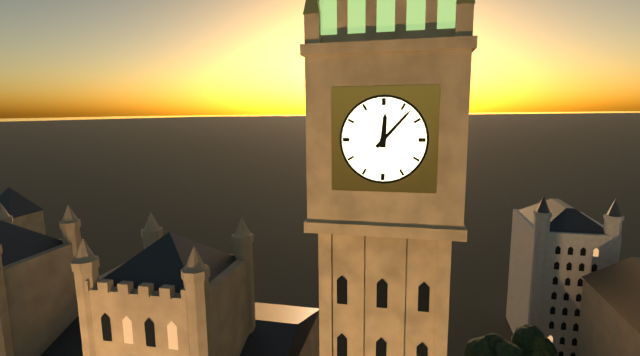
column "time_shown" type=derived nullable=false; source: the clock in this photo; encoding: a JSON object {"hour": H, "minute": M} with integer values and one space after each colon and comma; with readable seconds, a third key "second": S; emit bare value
{"hour": 12, "minute": 7}
